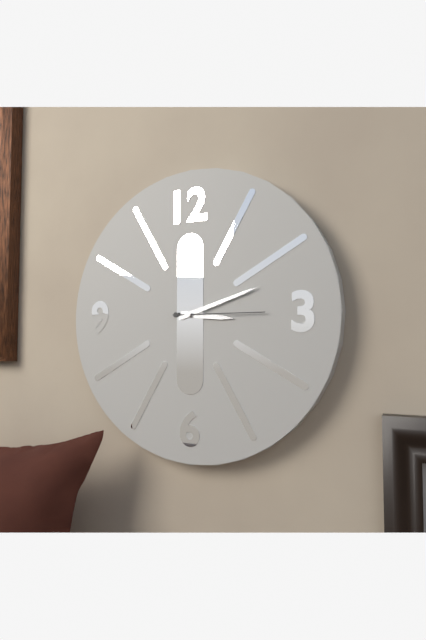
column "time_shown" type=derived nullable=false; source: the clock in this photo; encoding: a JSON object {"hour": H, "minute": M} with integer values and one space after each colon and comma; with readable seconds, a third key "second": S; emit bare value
{"hour": 3, "minute": 12, "second": 15}
